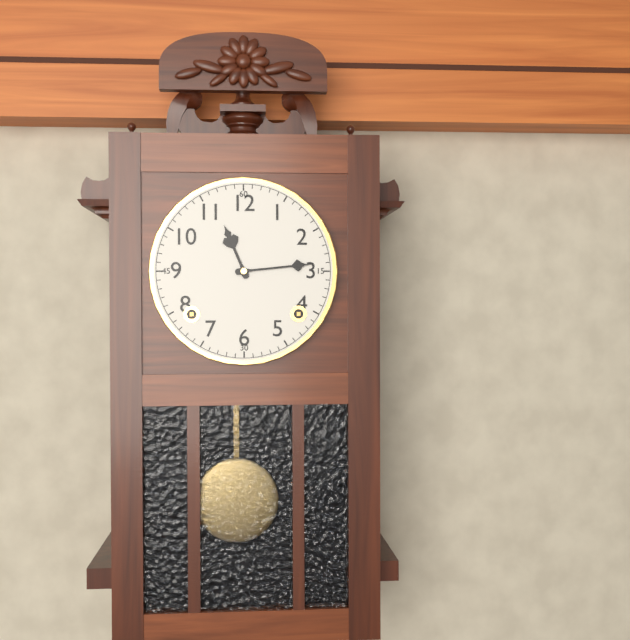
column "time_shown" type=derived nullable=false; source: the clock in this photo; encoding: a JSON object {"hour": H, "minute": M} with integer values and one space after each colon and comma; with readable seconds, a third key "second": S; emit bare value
{"hour": 11, "minute": 14}
